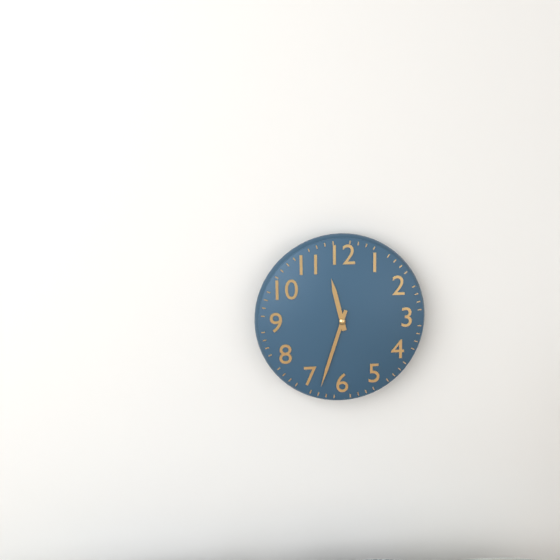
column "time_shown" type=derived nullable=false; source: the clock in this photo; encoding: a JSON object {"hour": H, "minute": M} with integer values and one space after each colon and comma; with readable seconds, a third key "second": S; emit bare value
{"hour": 11, "minute": 33}
